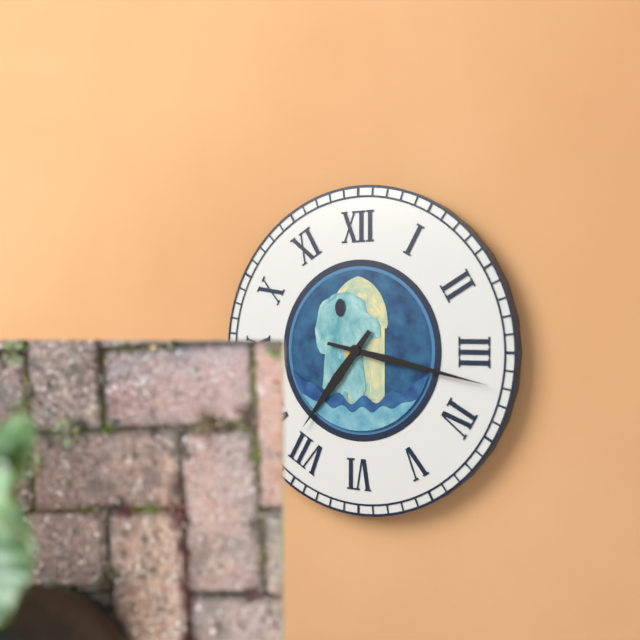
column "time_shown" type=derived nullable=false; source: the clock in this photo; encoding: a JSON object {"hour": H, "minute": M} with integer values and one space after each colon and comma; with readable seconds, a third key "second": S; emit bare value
{"hour": 7, "minute": 17}
